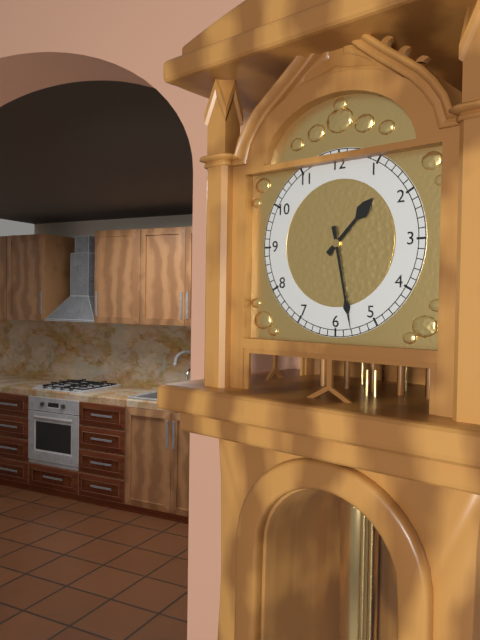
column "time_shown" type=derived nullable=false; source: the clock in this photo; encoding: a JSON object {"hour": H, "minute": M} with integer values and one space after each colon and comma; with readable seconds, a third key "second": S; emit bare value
{"hour": 1, "minute": 28}
